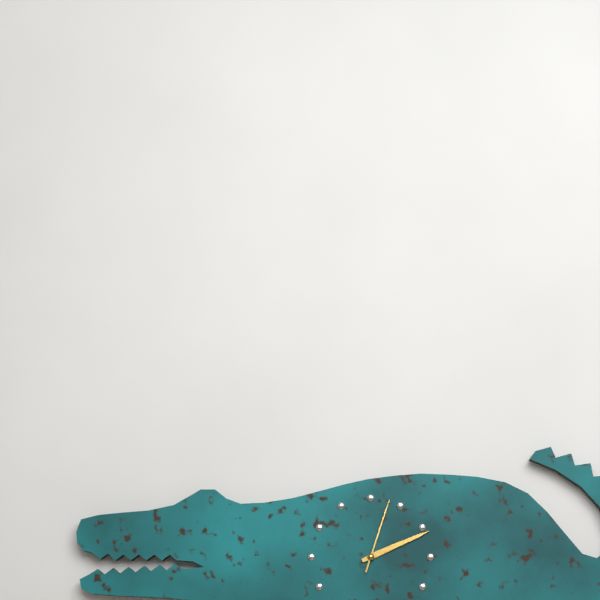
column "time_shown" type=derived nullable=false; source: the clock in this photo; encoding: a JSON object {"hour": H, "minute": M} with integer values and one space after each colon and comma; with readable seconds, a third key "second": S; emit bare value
{"hour": 2, "minute": 11, "second": 3}
